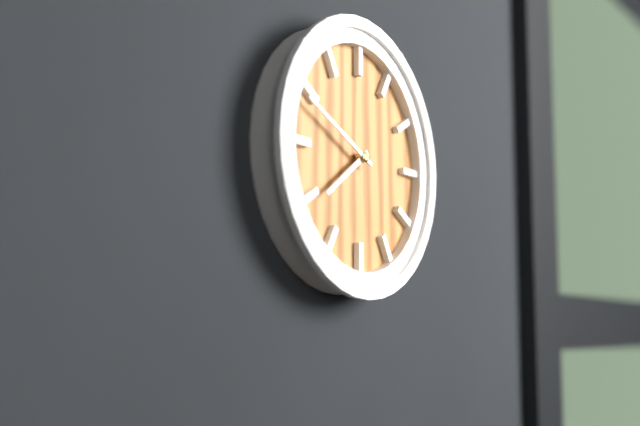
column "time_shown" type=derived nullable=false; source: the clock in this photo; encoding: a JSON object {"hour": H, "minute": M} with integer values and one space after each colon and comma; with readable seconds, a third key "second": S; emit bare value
{"hour": 7, "minute": 49}
